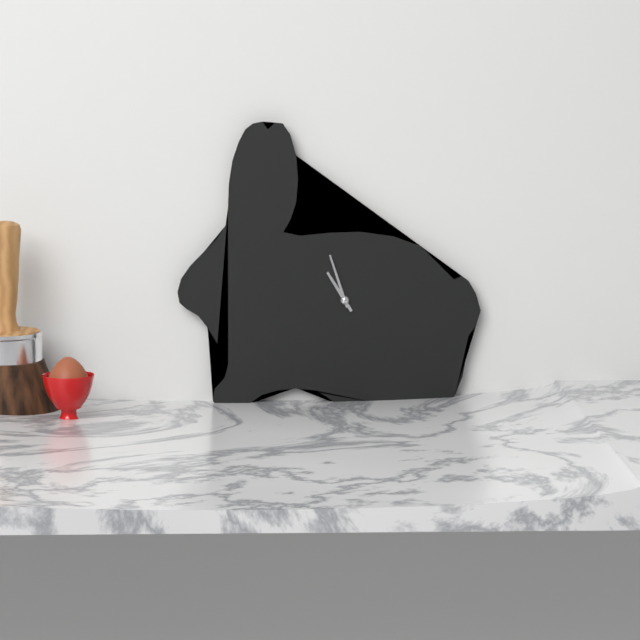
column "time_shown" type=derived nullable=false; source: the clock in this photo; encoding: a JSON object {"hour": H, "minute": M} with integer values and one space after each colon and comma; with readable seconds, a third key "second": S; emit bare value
{"hour": 10, "minute": 57}
